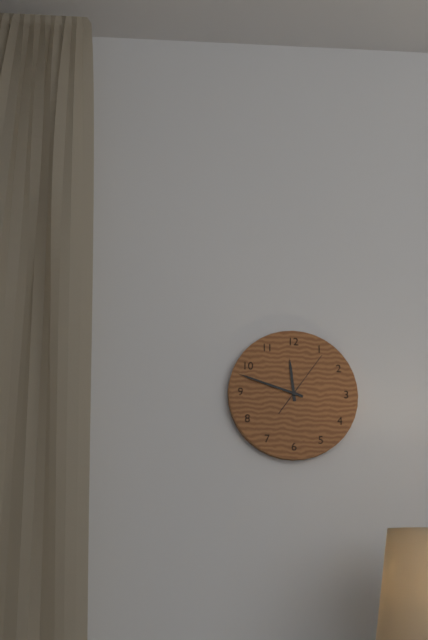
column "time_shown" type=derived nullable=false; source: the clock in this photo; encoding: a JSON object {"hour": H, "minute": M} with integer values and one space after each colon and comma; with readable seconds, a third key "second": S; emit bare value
{"hour": 11, "minute": 48, "second": 6}
